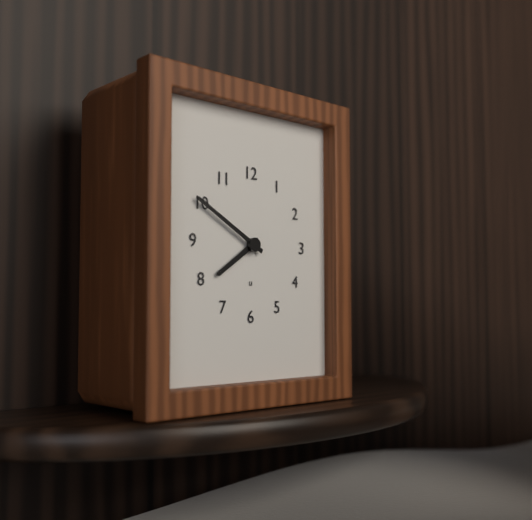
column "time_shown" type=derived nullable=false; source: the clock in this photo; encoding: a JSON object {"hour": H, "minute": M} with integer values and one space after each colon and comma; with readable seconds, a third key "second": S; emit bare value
{"hour": 7, "minute": 50}
